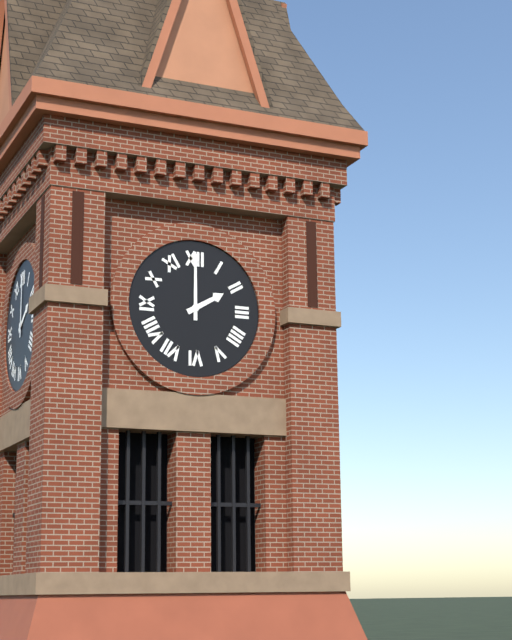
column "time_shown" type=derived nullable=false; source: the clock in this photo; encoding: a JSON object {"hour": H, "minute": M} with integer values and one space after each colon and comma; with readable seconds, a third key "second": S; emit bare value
{"hour": 2, "minute": 0}
